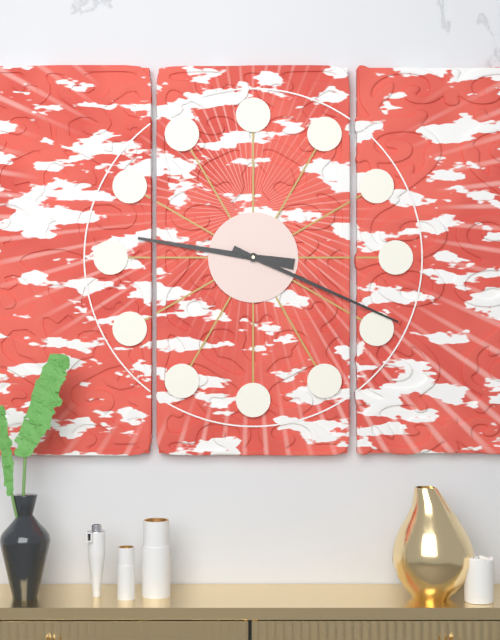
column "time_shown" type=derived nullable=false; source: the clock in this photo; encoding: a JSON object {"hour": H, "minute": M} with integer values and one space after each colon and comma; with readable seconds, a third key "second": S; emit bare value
{"hour": 9, "minute": 19}
